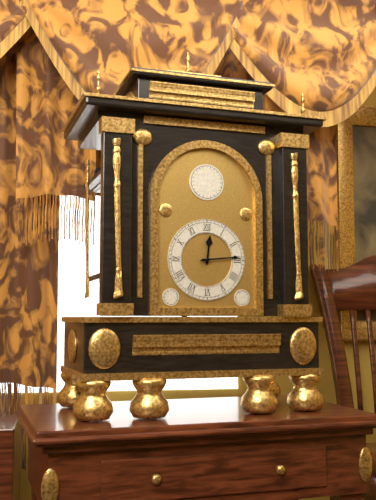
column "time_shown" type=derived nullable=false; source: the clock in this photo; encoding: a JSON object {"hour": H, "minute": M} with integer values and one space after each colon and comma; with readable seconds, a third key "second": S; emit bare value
{"hour": 12, "minute": 14}
